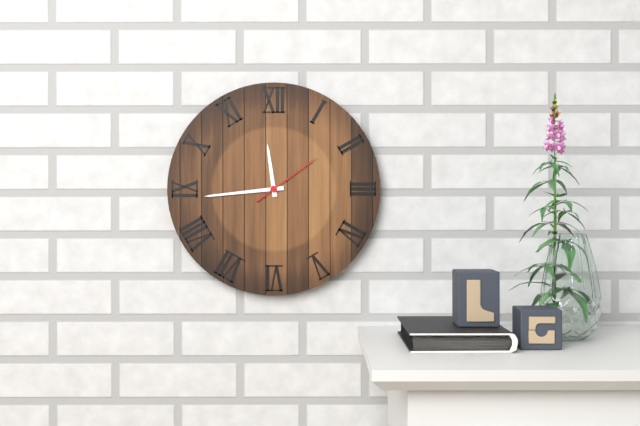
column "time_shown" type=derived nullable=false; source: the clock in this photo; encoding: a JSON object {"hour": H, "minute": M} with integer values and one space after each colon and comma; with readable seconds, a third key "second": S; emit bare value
{"hour": 11, "minute": 44, "second": 9}
